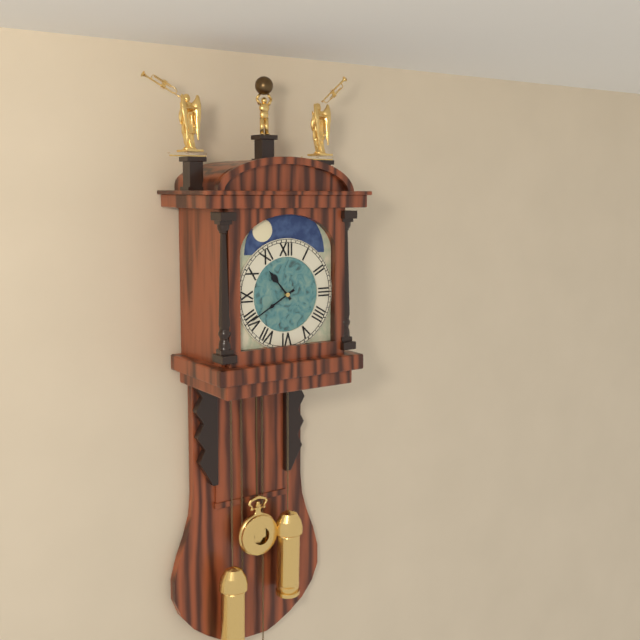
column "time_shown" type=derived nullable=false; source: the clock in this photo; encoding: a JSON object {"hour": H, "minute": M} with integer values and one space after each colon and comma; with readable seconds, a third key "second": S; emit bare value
{"hour": 10, "minute": 40}
